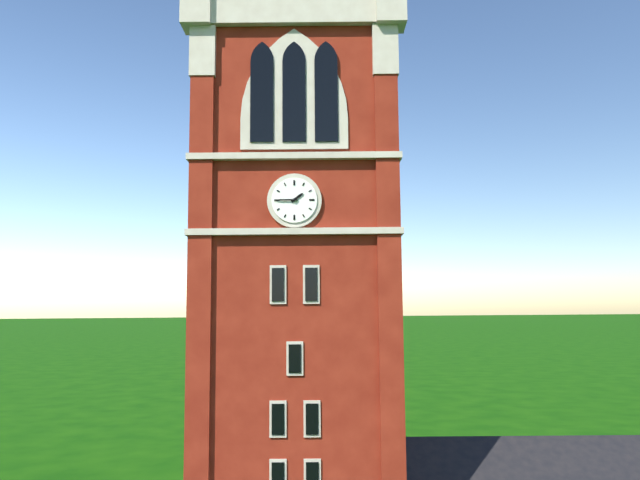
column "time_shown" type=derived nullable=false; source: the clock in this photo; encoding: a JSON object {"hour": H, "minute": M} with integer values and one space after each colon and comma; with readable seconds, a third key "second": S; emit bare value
{"hour": 1, "minute": 45}
